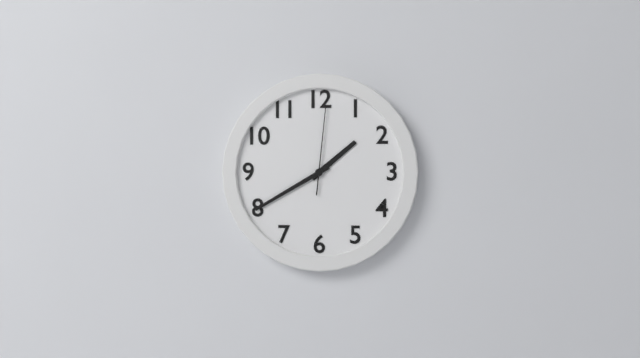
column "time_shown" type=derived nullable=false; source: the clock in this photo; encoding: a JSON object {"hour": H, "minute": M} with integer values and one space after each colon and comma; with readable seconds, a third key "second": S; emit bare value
{"hour": 1, "minute": 40, "second": 1}
